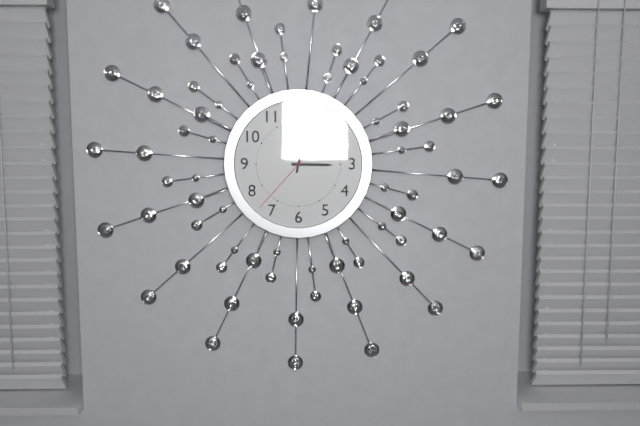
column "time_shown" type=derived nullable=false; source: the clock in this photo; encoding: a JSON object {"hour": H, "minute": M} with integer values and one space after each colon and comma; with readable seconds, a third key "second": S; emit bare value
{"hour": 3, "minute": 2, "second": 37}
